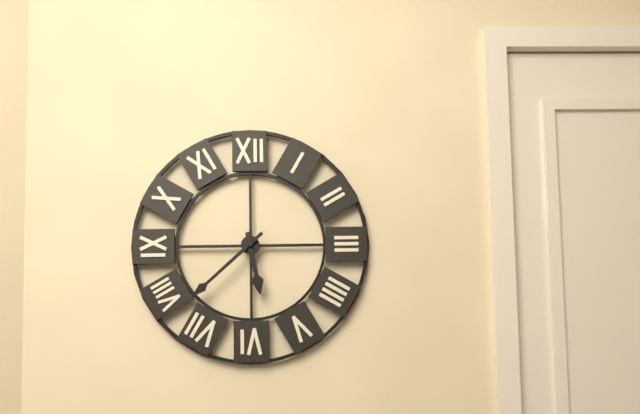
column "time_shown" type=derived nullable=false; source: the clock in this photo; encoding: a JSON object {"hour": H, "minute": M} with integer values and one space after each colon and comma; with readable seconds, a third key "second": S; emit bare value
{"hour": 5, "minute": 38}
